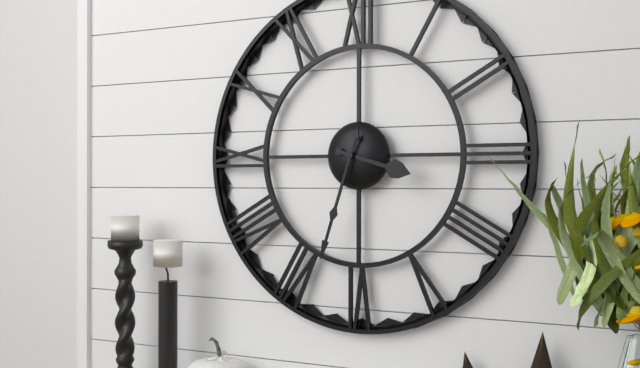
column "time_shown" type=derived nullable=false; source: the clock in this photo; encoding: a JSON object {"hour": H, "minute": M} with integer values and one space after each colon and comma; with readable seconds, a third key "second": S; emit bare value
{"hour": 3, "minute": 33}
